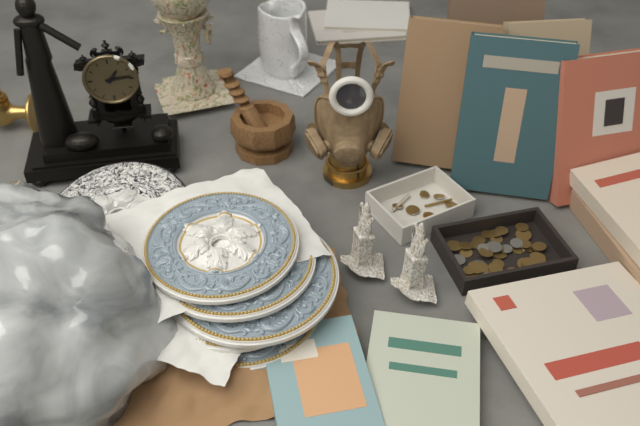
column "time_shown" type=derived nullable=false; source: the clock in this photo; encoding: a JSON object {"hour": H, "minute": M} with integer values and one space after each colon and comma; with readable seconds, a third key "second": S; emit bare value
{"hour": 1, "minute": 14}
